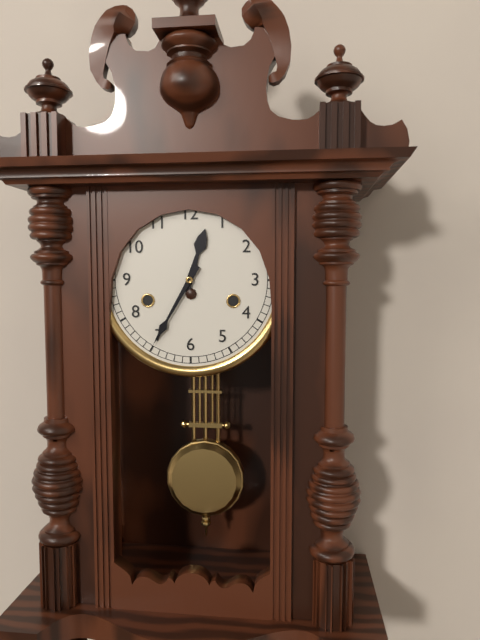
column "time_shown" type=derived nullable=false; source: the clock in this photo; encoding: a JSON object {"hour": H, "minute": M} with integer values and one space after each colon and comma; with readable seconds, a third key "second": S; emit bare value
{"hour": 12, "minute": 35}
